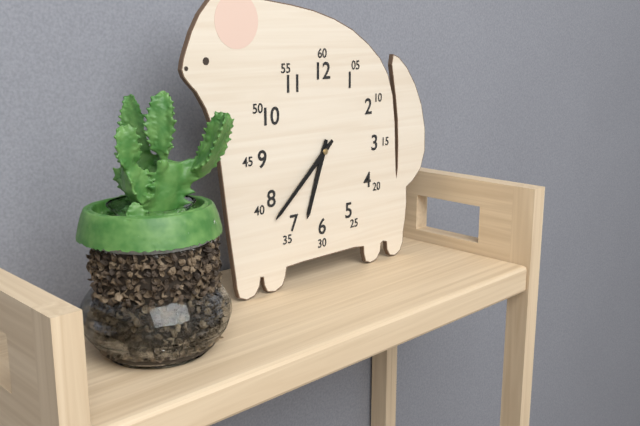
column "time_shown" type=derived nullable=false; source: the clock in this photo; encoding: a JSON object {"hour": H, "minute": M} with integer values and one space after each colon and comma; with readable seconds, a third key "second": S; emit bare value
{"hour": 6, "minute": 38}
